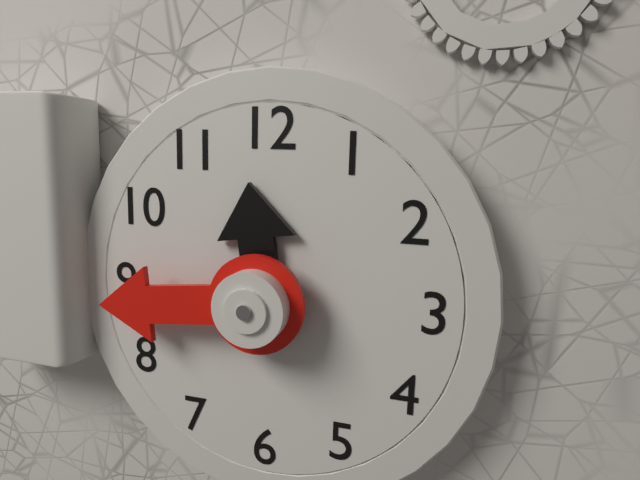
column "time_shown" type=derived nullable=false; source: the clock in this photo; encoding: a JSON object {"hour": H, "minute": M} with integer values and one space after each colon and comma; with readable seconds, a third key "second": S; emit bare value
{"hour": 11, "minute": 44}
